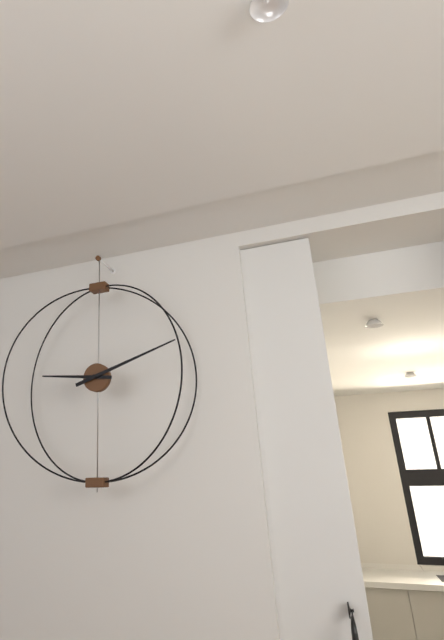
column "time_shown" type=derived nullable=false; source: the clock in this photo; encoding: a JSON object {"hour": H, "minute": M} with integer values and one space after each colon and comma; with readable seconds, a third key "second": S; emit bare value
{"hour": 9, "minute": 12}
